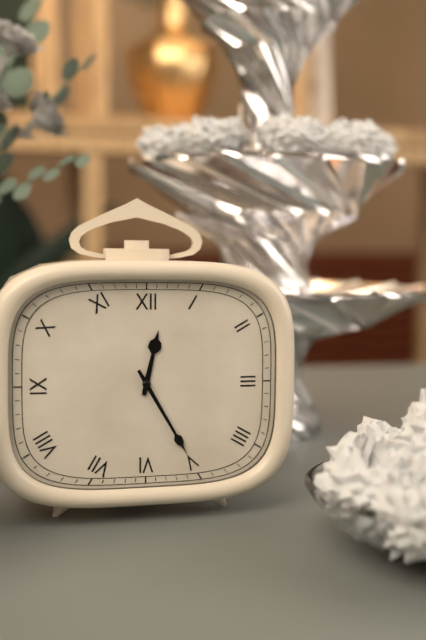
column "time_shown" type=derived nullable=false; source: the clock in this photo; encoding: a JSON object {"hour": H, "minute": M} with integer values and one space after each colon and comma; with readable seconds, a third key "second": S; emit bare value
{"hour": 12, "minute": 25}
